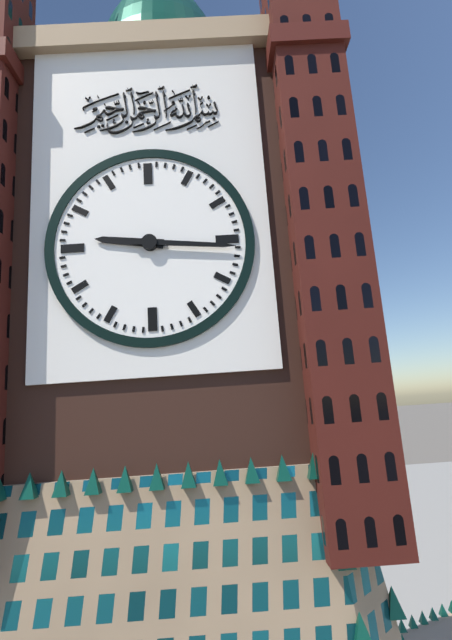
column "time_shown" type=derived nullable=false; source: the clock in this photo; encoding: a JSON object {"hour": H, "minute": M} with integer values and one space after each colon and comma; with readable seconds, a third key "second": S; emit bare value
{"hour": 9, "minute": 16}
